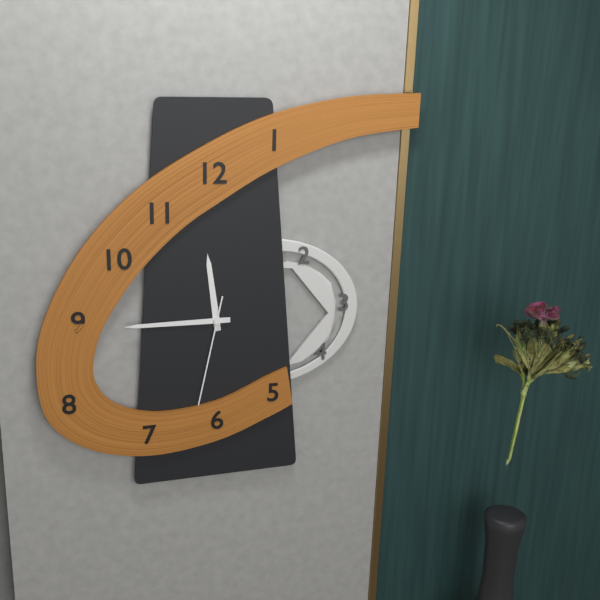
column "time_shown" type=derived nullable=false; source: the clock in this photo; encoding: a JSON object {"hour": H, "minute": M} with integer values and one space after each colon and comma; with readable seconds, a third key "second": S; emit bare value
{"hour": 11, "minute": 45, "second": 32}
